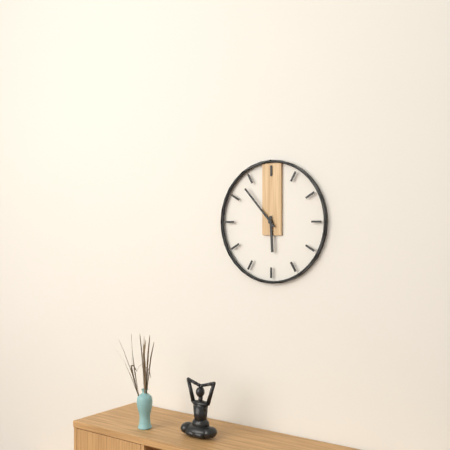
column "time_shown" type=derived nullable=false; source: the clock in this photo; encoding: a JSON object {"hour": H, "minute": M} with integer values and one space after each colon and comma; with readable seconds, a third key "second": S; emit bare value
{"hour": 5, "minute": 53}
